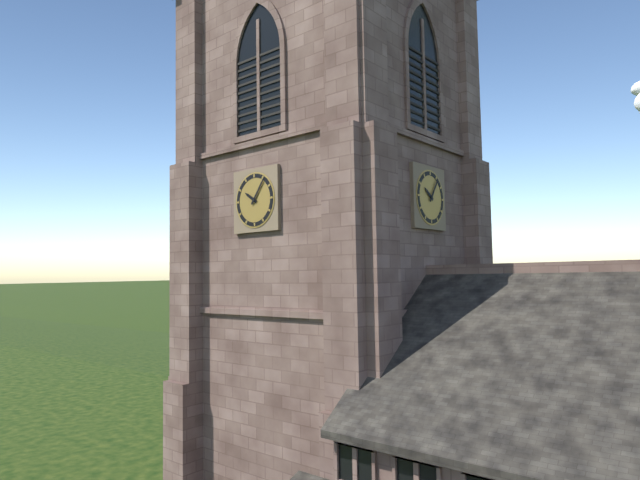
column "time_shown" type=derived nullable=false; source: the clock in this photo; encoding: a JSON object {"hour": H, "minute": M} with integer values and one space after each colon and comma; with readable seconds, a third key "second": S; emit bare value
{"hour": 10, "minute": 6}
